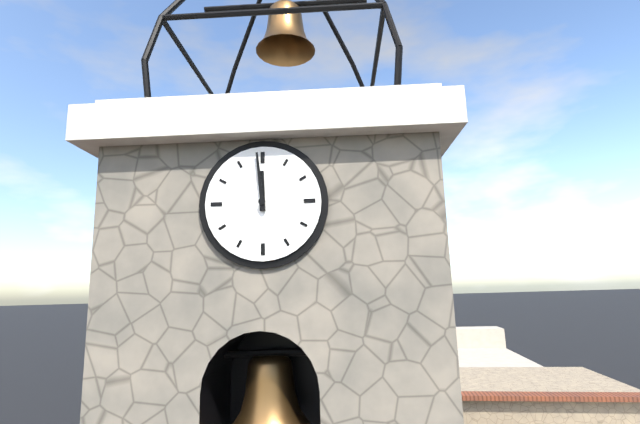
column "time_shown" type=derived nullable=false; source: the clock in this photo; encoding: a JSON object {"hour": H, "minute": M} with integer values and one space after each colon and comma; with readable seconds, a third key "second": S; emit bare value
{"hour": 11, "minute": 59}
